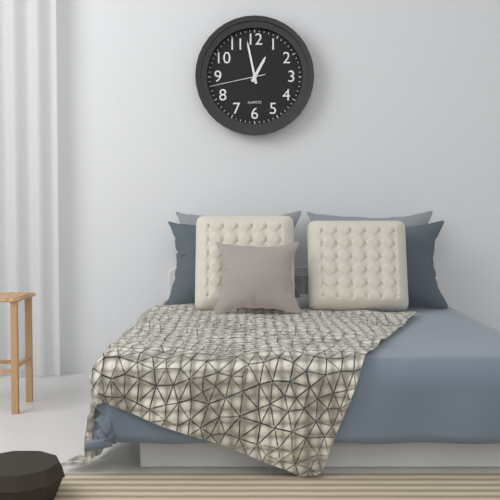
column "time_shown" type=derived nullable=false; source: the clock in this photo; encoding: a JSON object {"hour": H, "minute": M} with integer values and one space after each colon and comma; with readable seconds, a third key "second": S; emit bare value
{"hour": 12, "minute": 58, "second": 43}
